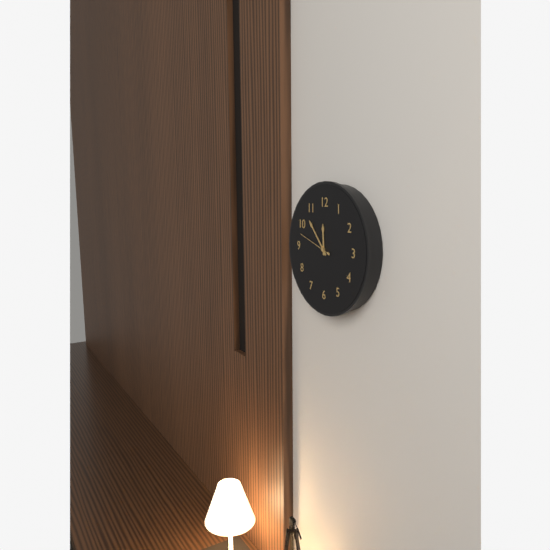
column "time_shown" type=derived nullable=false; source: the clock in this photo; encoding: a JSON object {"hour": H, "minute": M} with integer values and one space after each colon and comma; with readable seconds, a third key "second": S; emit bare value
{"hour": 11, "minute": 53}
